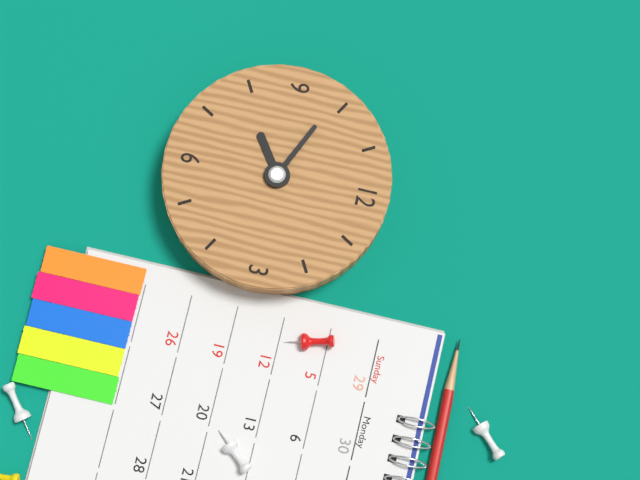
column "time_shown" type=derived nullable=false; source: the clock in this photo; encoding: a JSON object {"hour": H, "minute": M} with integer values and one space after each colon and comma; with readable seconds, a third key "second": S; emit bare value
{"hour": 7, "minute": 49}
